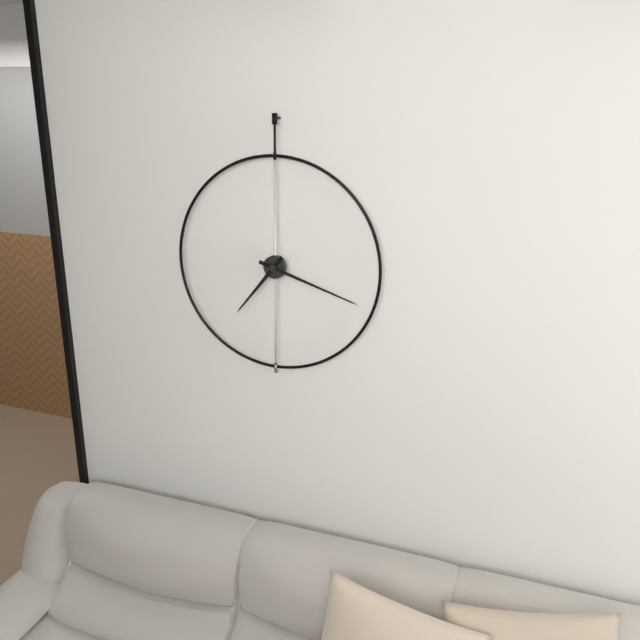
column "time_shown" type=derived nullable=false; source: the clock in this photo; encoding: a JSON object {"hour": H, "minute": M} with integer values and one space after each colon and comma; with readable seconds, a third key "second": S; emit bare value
{"hour": 7, "minute": 18}
